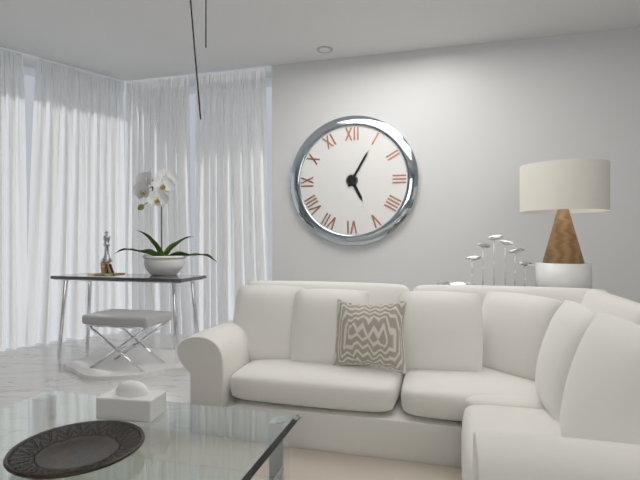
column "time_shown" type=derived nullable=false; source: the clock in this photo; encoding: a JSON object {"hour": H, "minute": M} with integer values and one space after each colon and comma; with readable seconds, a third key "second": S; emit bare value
{"hour": 5, "minute": 5}
